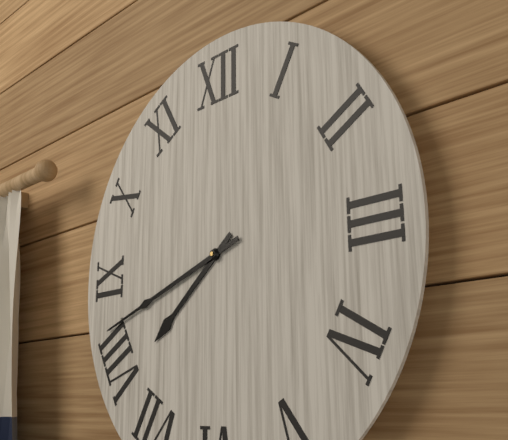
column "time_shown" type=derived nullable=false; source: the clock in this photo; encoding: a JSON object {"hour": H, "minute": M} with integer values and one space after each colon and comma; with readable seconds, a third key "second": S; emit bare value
{"hour": 7, "minute": 42}
